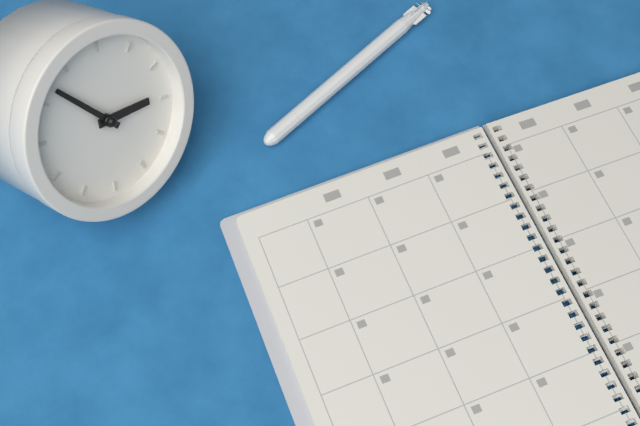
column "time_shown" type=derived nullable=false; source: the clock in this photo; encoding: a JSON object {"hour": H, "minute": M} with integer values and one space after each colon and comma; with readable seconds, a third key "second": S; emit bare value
{"hour": 2, "minute": 52}
